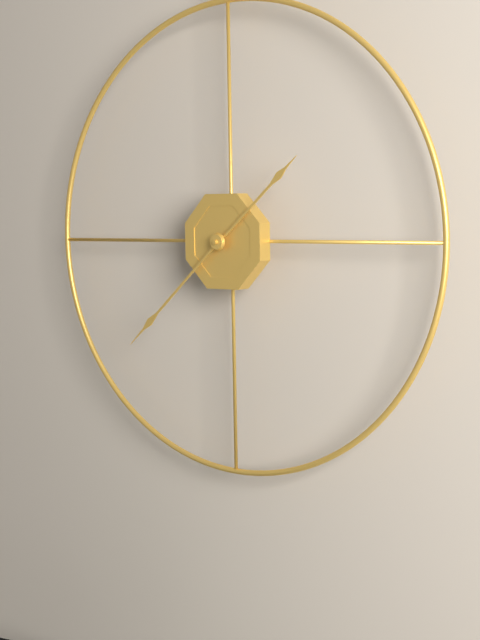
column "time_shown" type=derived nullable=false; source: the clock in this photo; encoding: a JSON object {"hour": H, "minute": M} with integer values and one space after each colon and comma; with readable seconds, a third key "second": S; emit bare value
{"hour": 1, "minute": 38}
